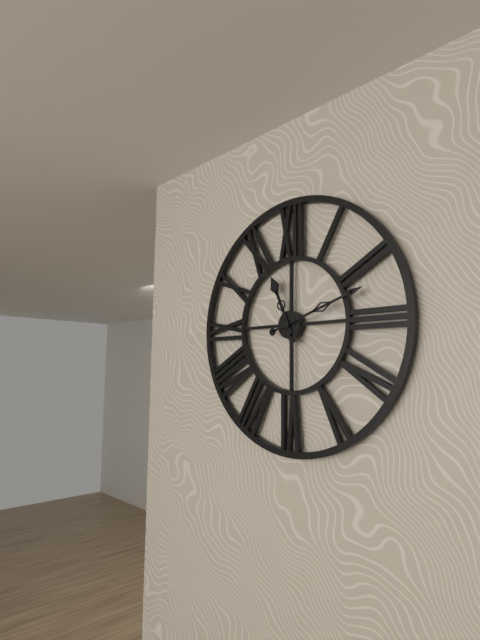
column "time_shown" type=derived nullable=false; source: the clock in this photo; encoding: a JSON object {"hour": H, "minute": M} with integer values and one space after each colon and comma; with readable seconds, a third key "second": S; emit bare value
{"hour": 11, "minute": 12}
